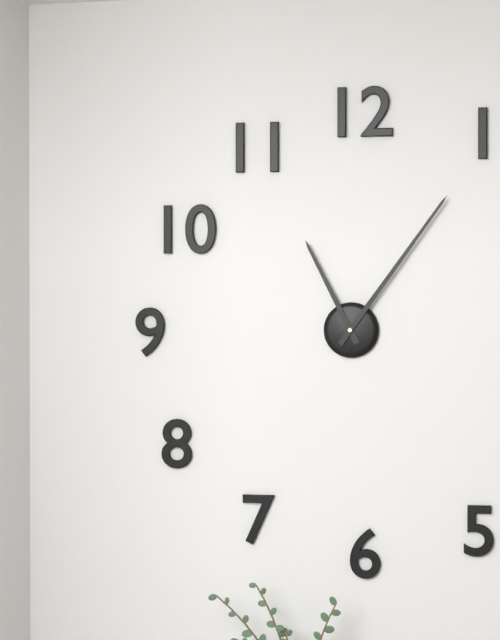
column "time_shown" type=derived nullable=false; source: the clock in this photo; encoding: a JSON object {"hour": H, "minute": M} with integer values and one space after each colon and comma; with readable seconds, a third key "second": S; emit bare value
{"hour": 11, "minute": 6}
